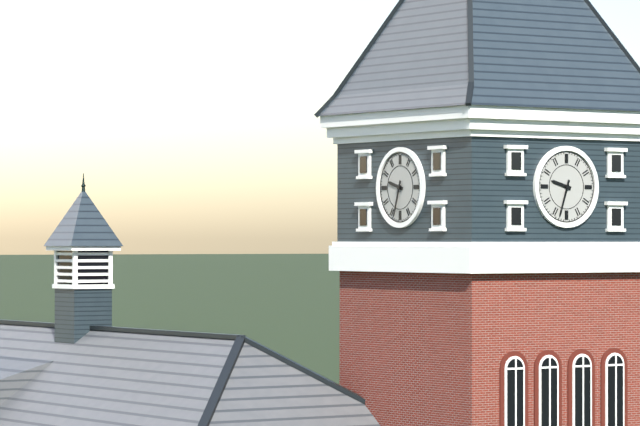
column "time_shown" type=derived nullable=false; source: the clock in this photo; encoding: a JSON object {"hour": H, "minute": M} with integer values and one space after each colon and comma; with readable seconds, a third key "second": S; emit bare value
{"hour": 9, "minute": 33}
